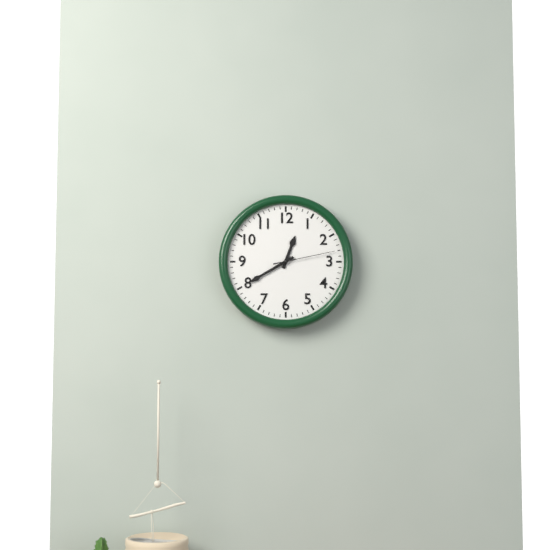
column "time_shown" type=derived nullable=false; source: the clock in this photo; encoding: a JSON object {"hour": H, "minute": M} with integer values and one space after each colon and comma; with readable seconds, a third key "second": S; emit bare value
{"hour": 12, "minute": 40, "second": 13}
